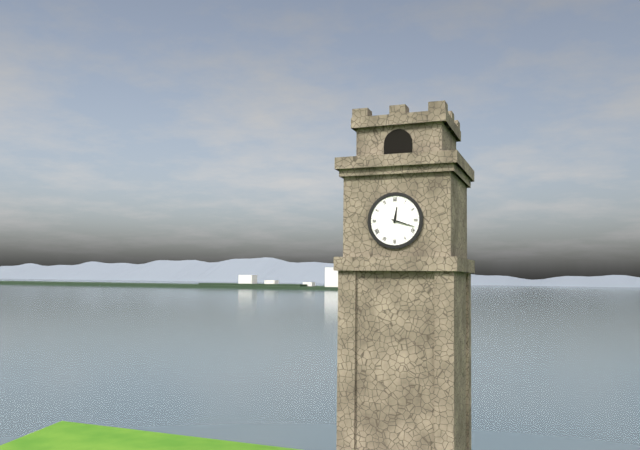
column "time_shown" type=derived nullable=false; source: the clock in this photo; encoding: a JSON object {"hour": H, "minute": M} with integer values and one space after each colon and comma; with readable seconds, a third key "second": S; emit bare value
{"hour": 12, "minute": 18}
